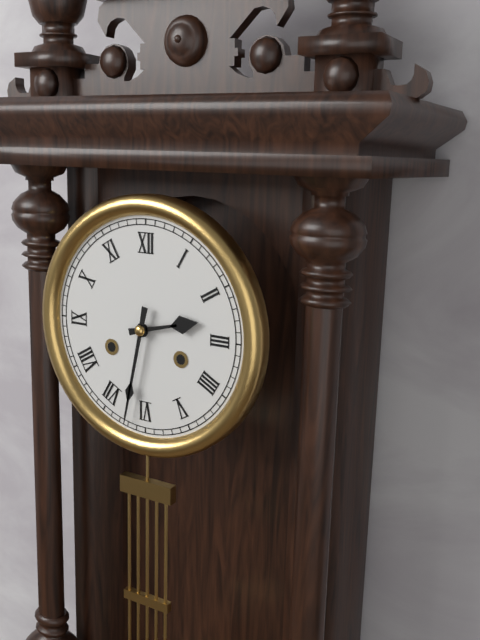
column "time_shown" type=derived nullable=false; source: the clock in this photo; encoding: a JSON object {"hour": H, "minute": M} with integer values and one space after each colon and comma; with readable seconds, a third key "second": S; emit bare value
{"hour": 2, "minute": 32}
